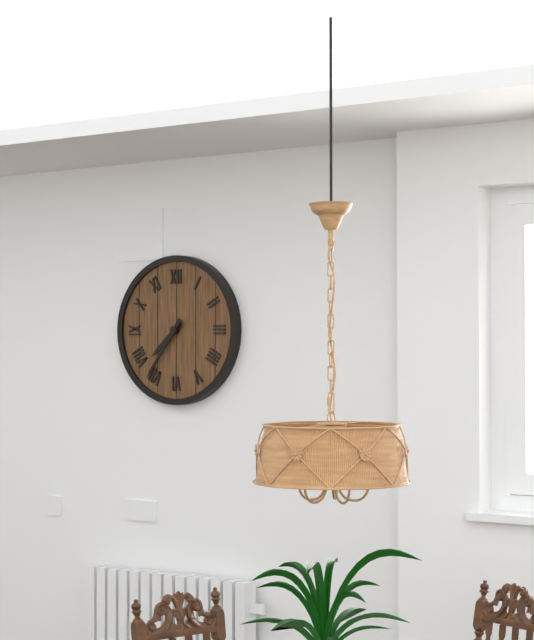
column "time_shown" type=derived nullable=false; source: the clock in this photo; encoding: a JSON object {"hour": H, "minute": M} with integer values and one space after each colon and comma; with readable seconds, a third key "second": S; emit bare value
{"hour": 7, "minute": 36}
